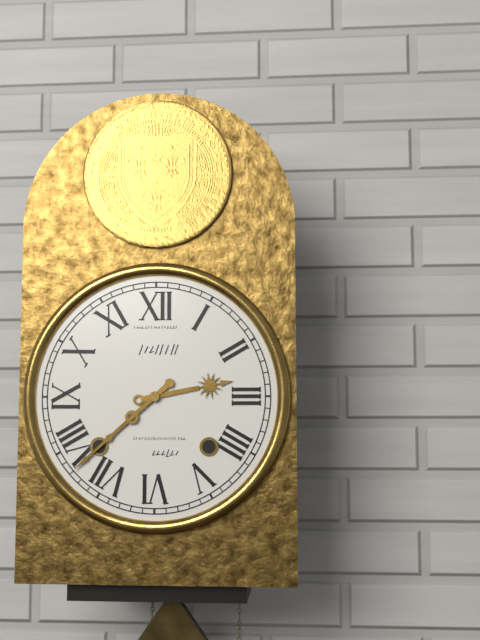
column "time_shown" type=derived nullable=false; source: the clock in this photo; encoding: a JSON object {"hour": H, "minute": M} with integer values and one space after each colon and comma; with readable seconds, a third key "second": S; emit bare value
{"hour": 2, "minute": 38}
